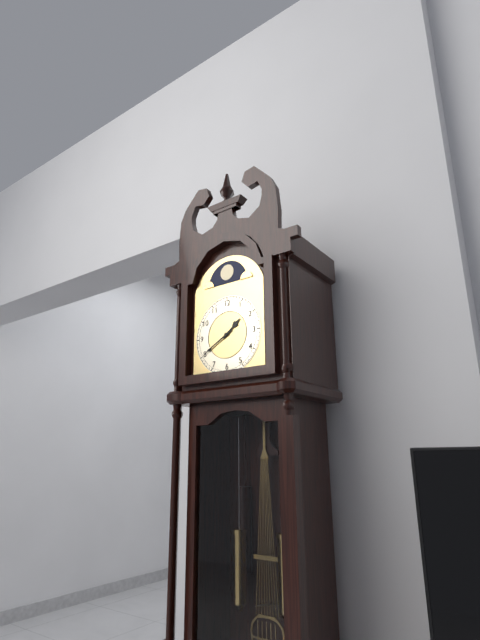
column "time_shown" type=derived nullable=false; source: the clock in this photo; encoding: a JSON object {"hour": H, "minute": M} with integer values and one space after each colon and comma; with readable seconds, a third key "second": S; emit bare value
{"hour": 1, "minute": 40}
